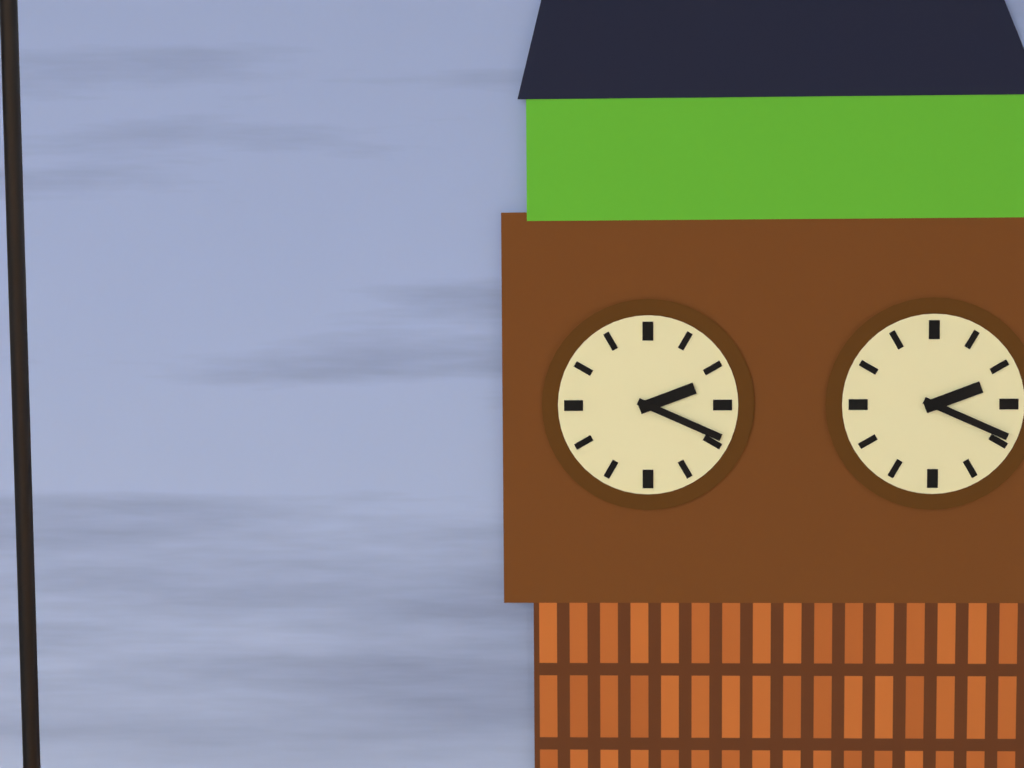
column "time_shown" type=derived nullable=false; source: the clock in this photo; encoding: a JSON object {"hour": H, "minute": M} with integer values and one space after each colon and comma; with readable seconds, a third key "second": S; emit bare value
{"hour": 2, "minute": 19}
